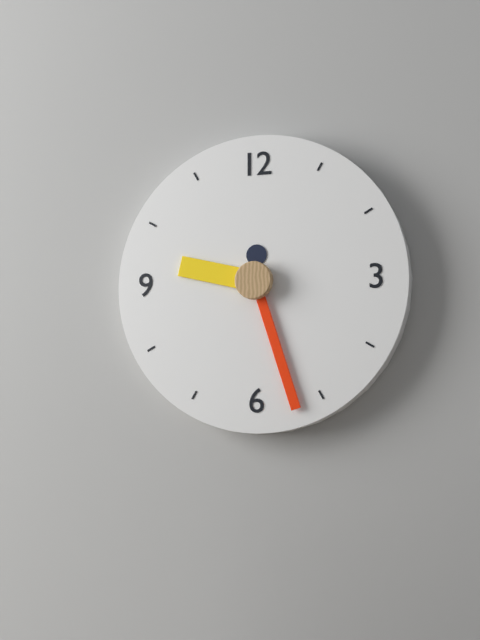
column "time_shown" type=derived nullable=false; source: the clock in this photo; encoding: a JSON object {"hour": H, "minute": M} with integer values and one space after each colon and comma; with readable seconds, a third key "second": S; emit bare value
{"hour": 9, "minute": 27}
